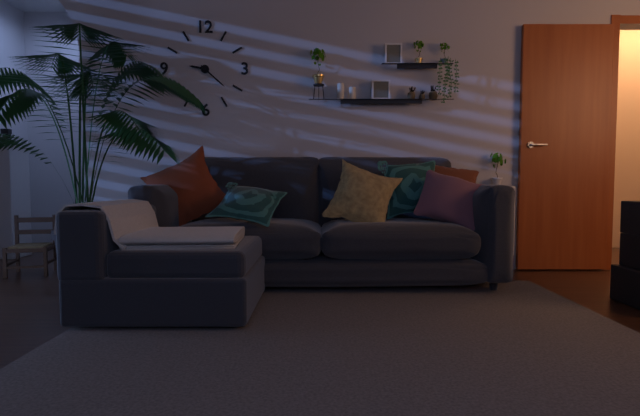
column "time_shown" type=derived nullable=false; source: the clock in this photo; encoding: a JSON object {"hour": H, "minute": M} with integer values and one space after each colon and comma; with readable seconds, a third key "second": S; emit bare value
{"hour": 9, "minute": 22}
